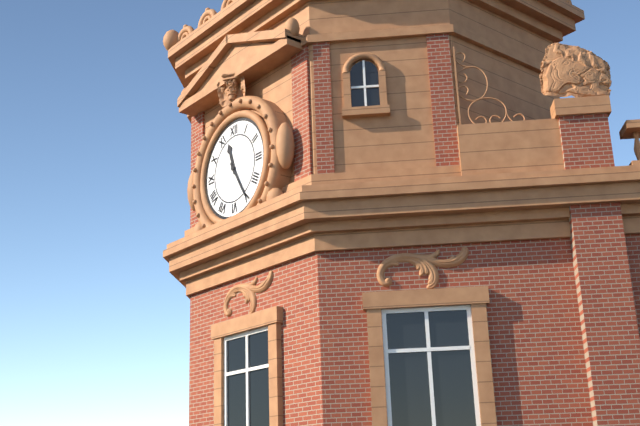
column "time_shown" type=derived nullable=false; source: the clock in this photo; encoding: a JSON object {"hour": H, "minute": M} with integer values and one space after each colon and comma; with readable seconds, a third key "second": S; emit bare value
{"hour": 11, "minute": 25}
